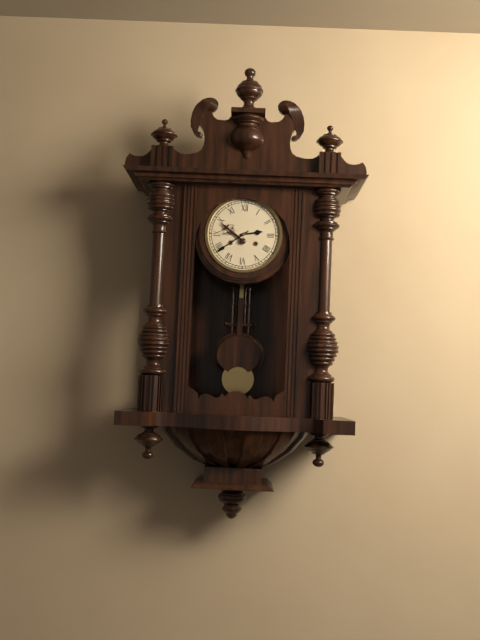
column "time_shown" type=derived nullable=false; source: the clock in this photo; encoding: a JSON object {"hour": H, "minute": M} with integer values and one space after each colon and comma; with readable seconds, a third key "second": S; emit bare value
{"hour": 2, "minute": 39}
